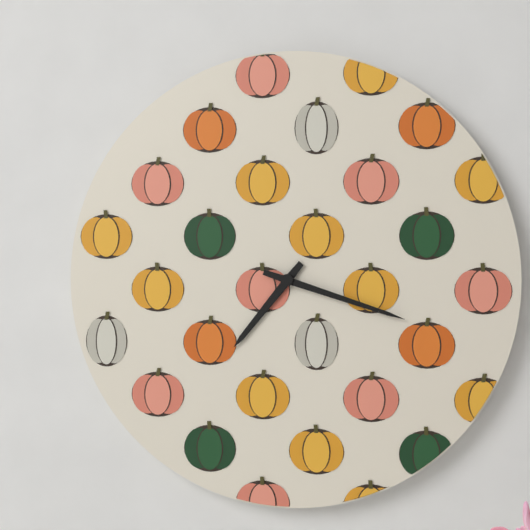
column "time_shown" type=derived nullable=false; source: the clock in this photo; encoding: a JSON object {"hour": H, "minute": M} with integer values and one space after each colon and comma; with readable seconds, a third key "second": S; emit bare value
{"hour": 7, "minute": 18}
